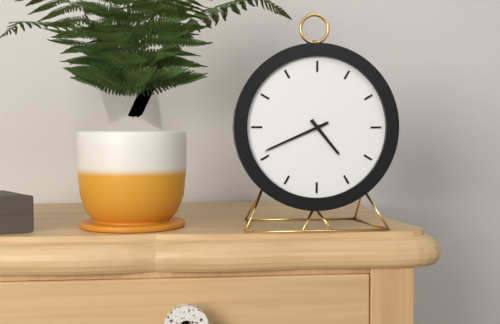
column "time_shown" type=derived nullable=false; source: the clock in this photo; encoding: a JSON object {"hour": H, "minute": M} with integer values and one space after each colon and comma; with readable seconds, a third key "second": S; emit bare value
{"hour": 4, "minute": 41}
